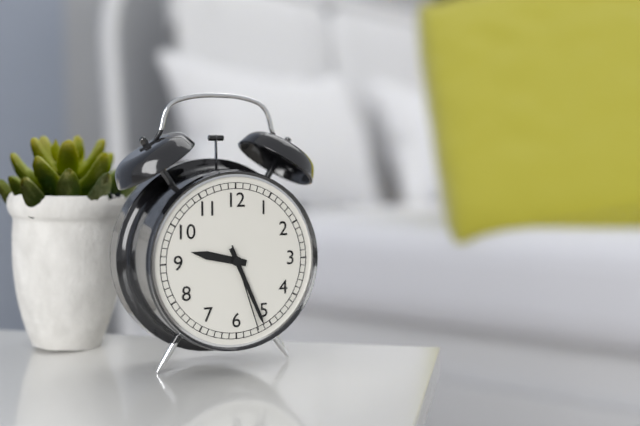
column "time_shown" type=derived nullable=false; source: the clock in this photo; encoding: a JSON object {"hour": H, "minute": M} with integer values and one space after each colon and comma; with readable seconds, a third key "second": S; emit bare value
{"hour": 9, "minute": 26, "second": 27}
